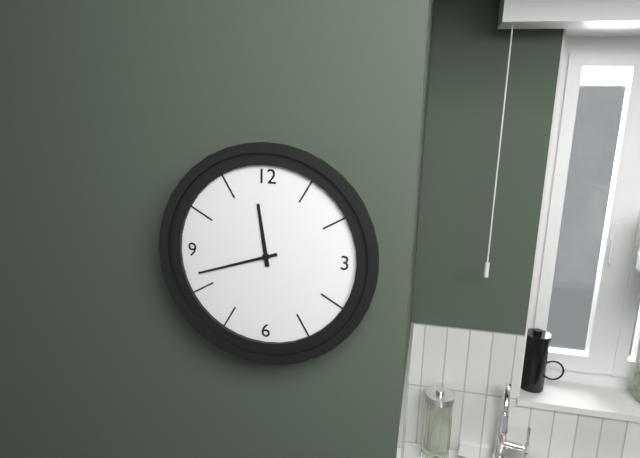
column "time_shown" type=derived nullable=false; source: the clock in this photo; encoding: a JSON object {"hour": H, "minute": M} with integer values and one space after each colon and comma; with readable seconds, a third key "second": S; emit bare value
{"hour": 11, "minute": 42}
